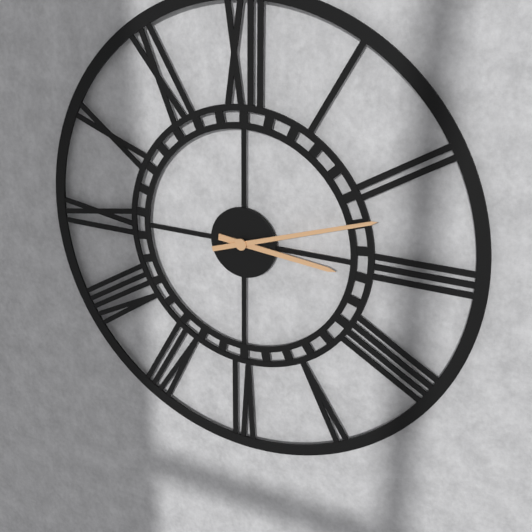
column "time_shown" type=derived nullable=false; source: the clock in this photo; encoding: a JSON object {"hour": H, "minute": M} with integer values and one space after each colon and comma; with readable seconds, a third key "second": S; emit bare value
{"hour": 3, "minute": 12}
